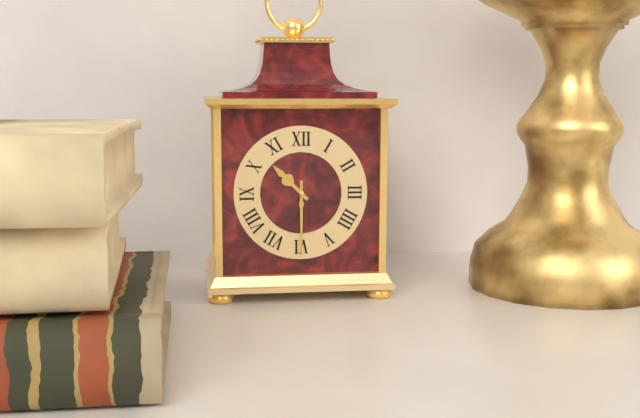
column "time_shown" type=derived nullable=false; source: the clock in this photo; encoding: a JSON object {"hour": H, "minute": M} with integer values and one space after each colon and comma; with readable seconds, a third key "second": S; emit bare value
{"hour": 10, "minute": 30}
